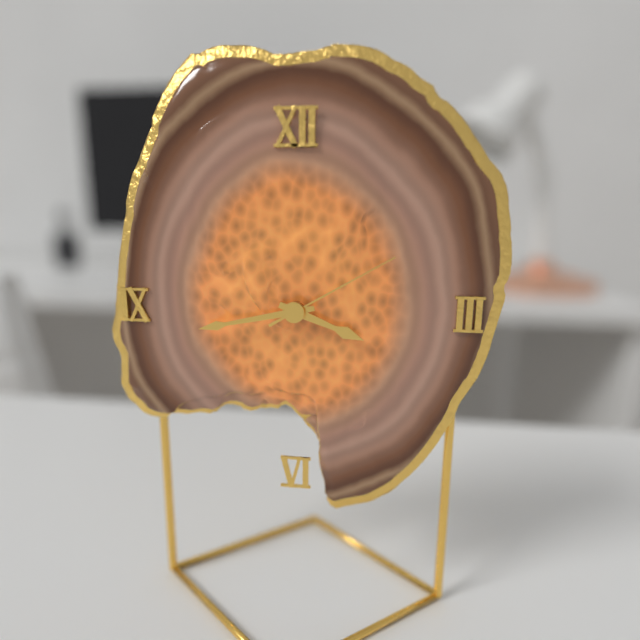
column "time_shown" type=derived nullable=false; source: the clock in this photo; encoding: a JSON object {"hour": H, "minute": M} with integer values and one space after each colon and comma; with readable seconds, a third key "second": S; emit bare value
{"hour": 3, "minute": 43, "second": 10}
